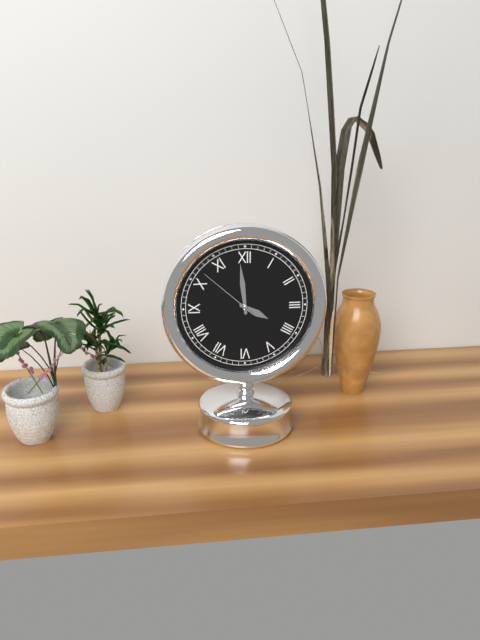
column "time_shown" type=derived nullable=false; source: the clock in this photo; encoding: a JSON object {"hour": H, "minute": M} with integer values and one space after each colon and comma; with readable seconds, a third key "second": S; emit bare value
{"hour": 3, "minute": 59, "second": 52}
